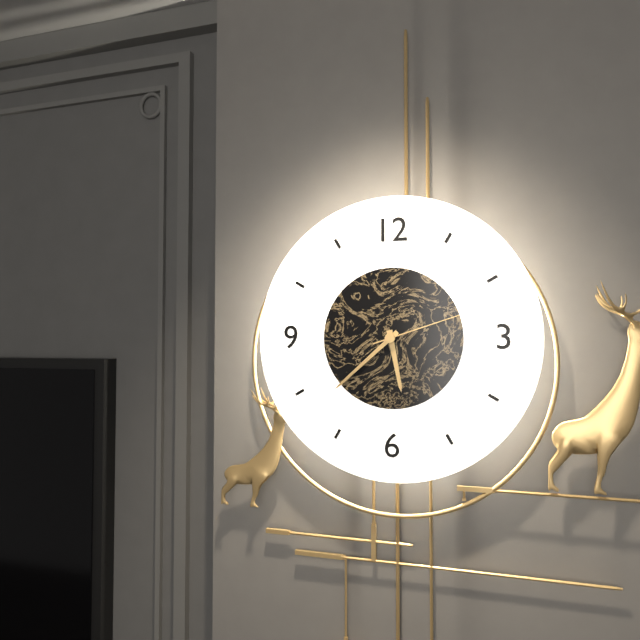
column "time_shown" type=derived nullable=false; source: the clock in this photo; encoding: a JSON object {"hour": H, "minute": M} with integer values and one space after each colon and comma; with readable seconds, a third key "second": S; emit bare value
{"hour": 5, "minute": 38, "second": 12}
